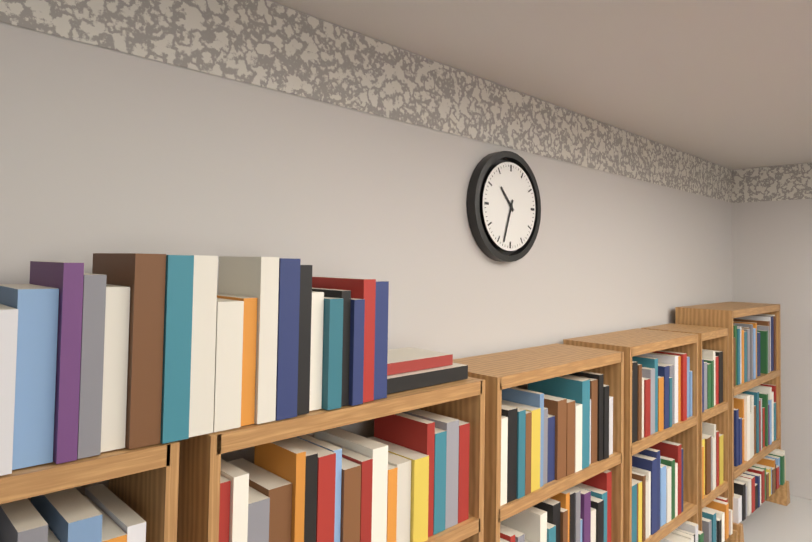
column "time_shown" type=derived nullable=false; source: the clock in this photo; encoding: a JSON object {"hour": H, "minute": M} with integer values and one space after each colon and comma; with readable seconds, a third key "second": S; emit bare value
{"hour": 10, "minute": 33}
